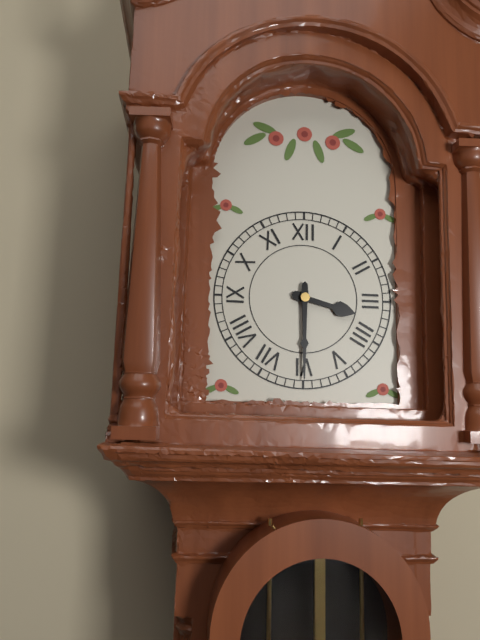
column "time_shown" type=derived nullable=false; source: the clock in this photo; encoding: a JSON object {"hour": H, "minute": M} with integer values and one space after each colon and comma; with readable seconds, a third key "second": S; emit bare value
{"hour": 3, "minute": 30}
